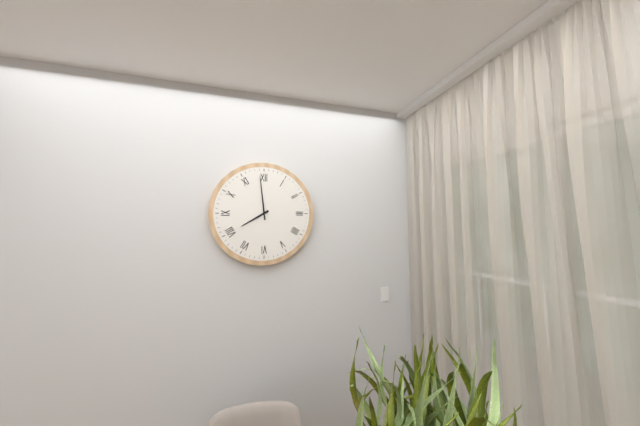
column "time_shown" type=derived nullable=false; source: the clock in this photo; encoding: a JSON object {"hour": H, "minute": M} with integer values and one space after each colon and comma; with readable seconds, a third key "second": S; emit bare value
{"hour": 7, "minute": 59}
